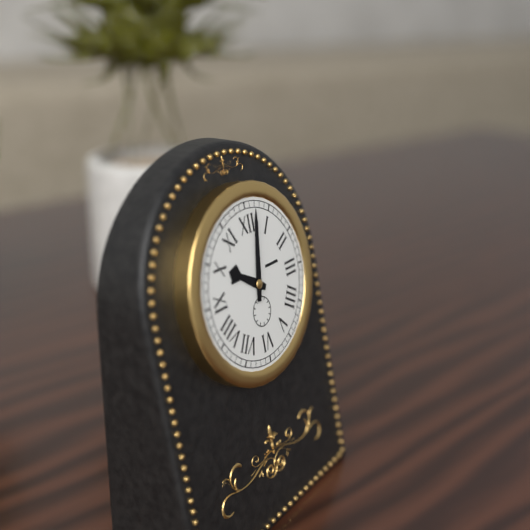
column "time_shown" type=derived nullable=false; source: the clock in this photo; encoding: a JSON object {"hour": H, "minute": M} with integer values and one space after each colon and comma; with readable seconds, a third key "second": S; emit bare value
{"hour": 10, "minute": 2}
